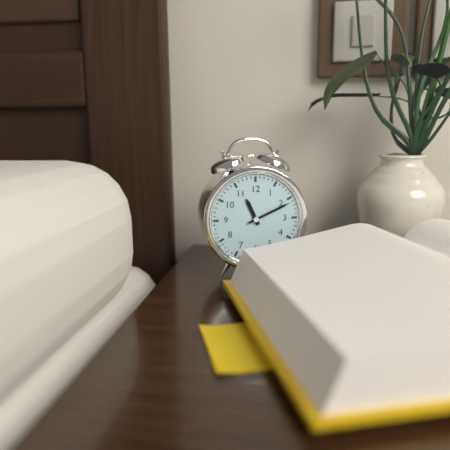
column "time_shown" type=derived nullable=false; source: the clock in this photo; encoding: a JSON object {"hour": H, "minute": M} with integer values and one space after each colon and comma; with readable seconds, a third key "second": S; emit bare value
{"hour": 11, "minute": 11}
